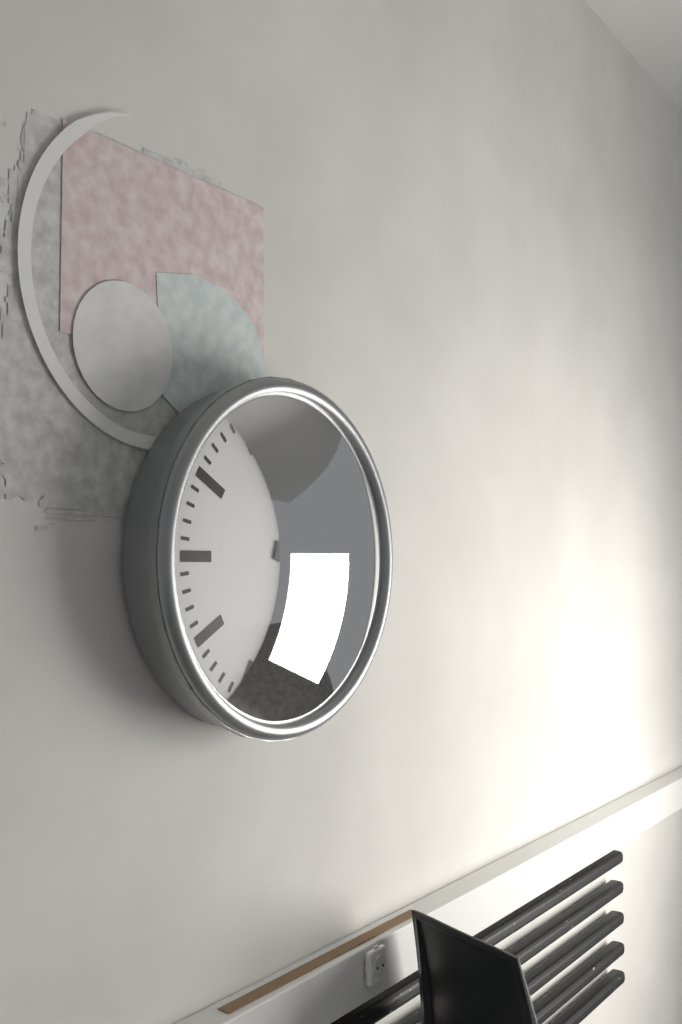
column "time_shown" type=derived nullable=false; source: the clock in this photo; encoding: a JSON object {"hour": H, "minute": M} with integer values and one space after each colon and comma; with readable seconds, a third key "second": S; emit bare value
{"hour": 3, "minute": 32}
